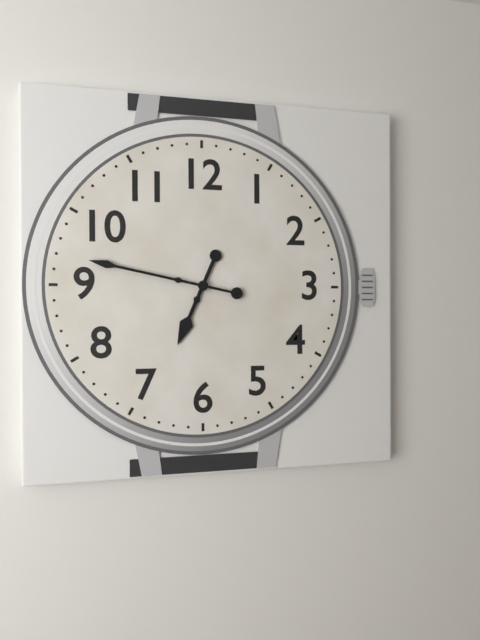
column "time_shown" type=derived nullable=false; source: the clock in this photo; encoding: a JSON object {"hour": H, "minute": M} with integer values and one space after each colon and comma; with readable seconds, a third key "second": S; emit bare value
{"hour": 6, "minute": 47}
